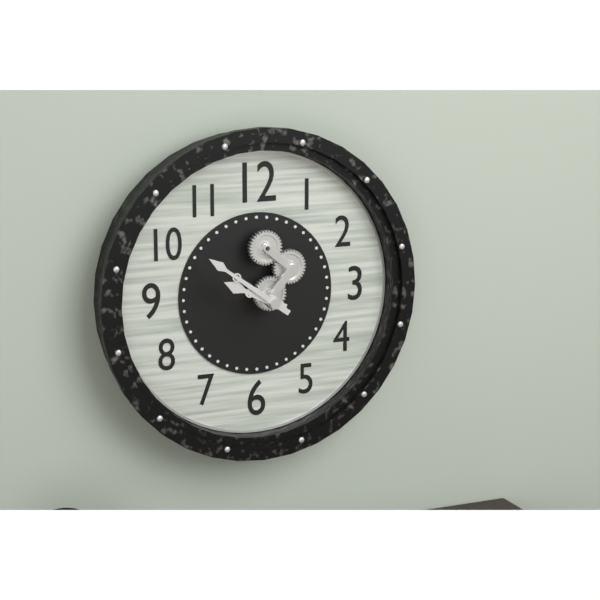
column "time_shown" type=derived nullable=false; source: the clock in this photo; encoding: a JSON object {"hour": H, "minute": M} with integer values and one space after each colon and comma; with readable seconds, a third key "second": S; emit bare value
{"hour": 9, "minute": 51}
